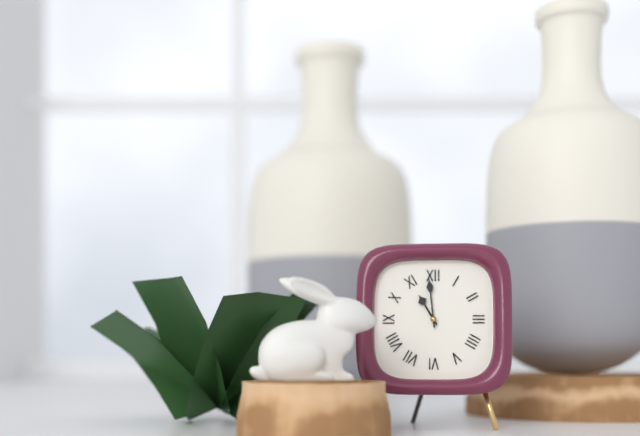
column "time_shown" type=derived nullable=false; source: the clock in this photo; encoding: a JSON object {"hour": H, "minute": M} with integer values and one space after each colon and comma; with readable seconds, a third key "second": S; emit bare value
{"hour": 10, "minute": 59}
